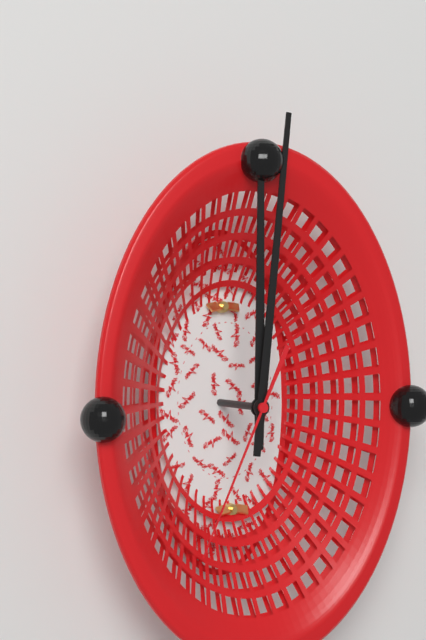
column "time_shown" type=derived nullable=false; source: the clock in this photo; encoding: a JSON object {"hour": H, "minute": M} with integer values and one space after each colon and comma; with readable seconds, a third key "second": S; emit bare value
{"hour": 12, "minute": 1, "second": 34}
